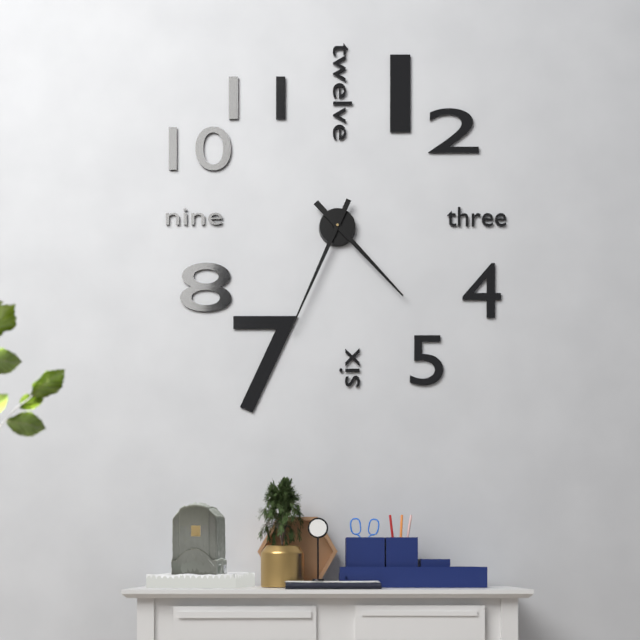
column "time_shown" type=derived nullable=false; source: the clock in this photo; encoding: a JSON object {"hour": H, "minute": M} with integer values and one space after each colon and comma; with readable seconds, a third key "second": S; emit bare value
{"hour": 4, "minute": 34}
